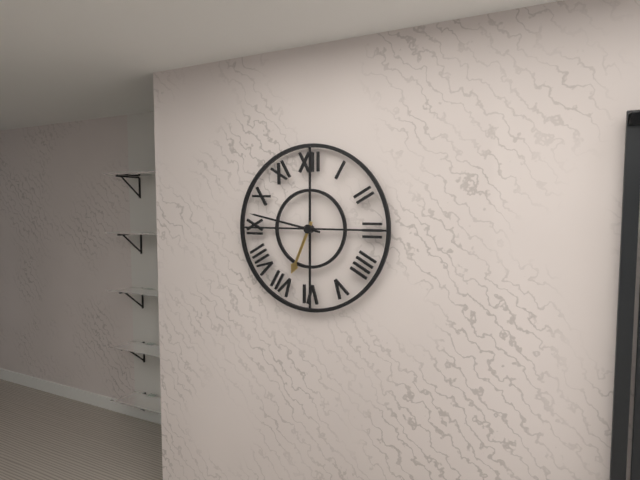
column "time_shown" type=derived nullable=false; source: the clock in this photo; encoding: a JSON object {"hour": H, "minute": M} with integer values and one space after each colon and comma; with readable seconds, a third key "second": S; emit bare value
{"hour": 6, "minute": 47}
